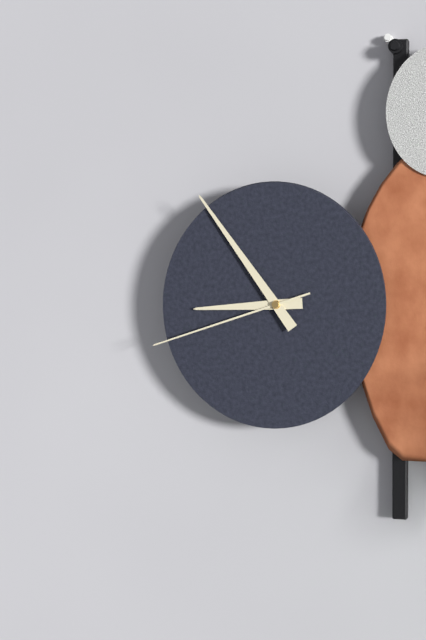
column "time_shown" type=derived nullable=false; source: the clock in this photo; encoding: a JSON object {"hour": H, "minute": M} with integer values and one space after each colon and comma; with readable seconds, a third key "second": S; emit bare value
{"hour": 8, "minute": 54, "second": 42}
